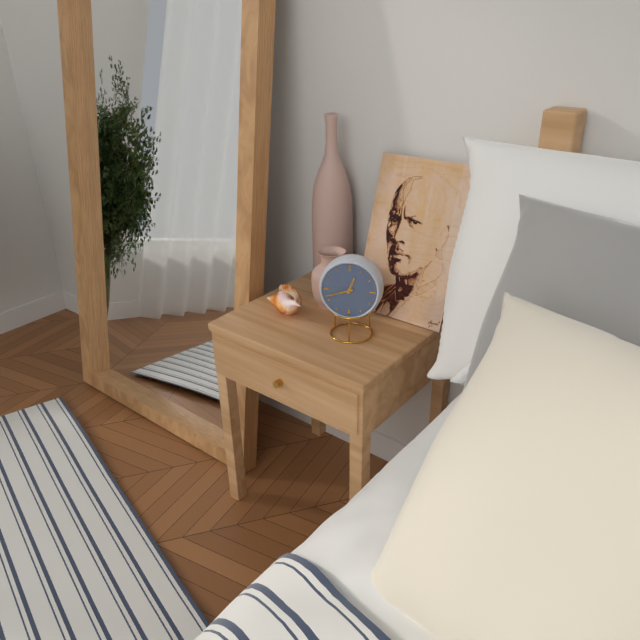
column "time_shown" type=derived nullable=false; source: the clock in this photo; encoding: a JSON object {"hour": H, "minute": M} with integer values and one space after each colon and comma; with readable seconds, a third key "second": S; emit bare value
{"hour": 12, "minute": 42}
